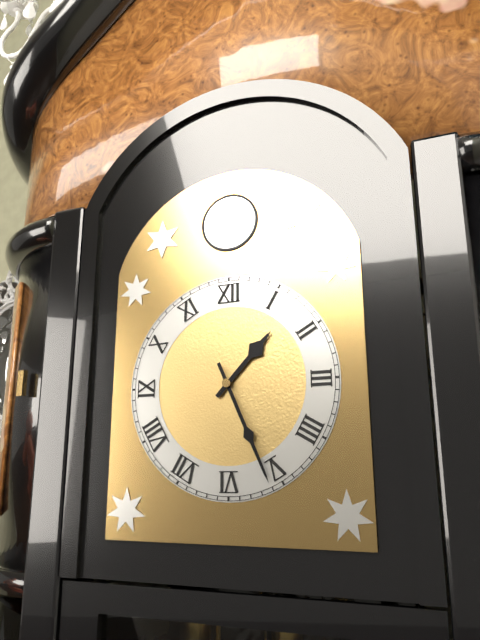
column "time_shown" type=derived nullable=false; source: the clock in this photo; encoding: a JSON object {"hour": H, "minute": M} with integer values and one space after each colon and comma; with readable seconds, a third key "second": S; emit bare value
{"hour": 1, "minute": 26}
